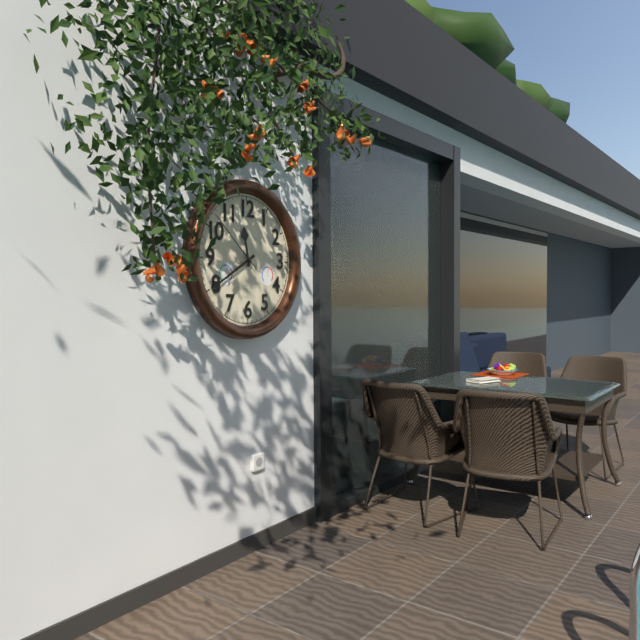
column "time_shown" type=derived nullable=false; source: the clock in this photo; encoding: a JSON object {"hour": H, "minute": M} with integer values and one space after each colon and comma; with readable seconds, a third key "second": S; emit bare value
{"hour": 11, "minute": 40, "second": 52}
